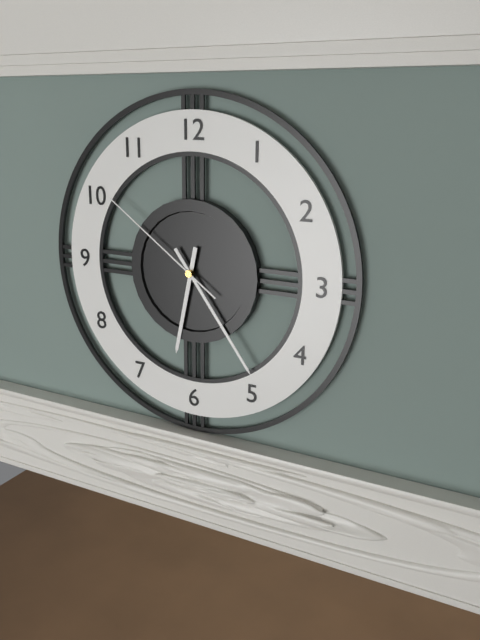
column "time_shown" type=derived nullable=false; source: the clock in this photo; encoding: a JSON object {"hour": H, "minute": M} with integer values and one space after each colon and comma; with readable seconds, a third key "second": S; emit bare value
{"hour": 6, "minute": 24, "second": 51}
